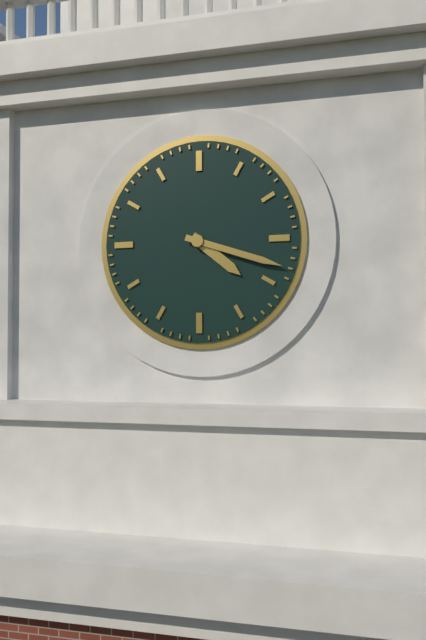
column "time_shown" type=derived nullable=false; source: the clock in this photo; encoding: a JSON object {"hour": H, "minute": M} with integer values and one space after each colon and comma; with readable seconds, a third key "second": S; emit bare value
{"hour": 4, "minute": 18}
